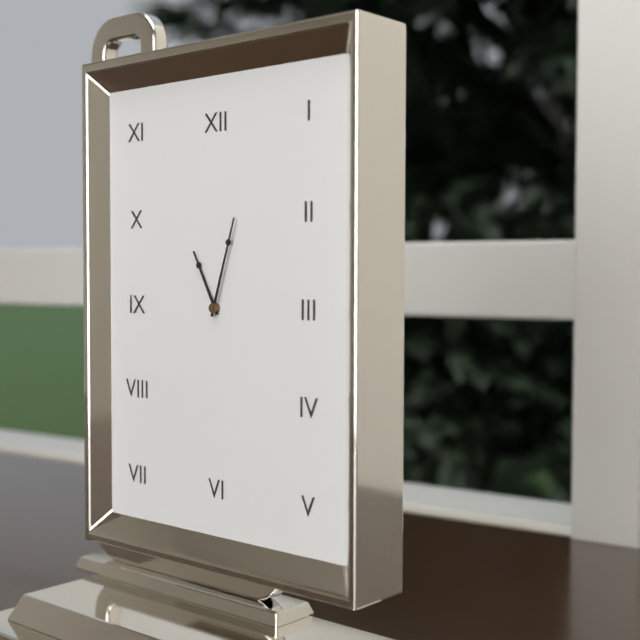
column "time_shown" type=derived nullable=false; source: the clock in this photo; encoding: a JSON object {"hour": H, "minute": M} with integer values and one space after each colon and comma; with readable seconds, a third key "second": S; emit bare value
{"hour": 11, "minute": 3}
